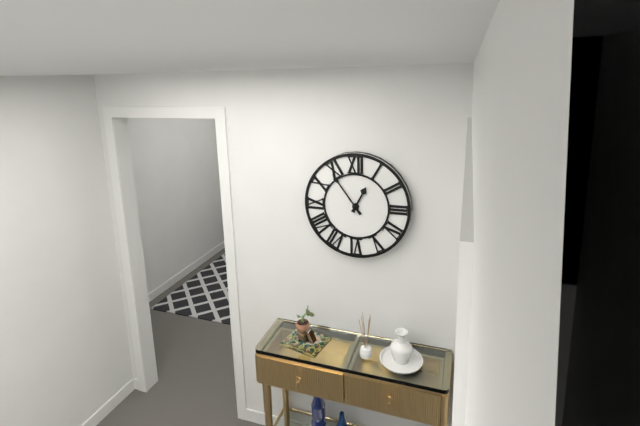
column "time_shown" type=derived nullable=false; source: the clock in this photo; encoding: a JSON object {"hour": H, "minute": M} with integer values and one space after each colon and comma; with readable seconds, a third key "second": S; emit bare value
{"hour": 12, "minute": 54}
